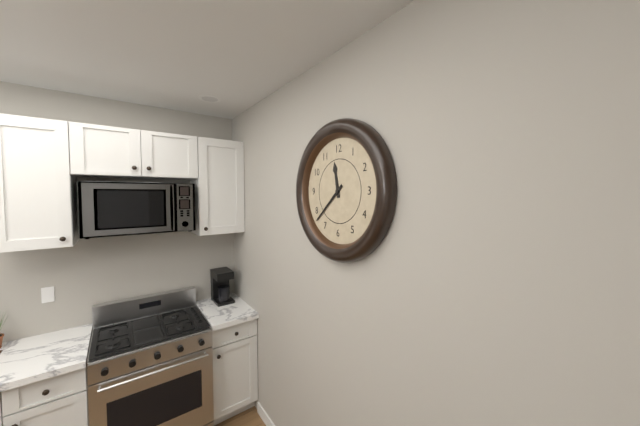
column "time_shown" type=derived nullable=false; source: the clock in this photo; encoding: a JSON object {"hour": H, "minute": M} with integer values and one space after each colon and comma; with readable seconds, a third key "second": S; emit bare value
{"hour": 11, "minute": 38}
